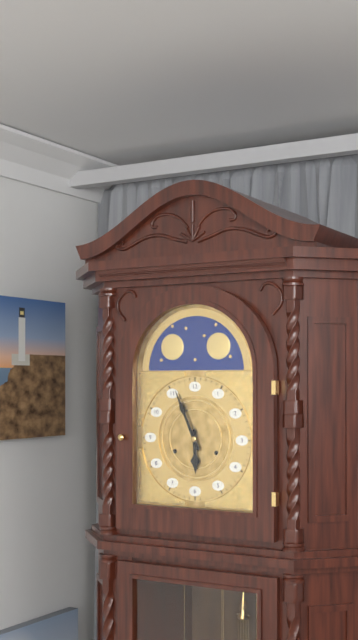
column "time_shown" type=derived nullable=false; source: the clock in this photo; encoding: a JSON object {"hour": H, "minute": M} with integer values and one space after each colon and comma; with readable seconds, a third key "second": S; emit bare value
{"hour": 5, "minute": 56}
